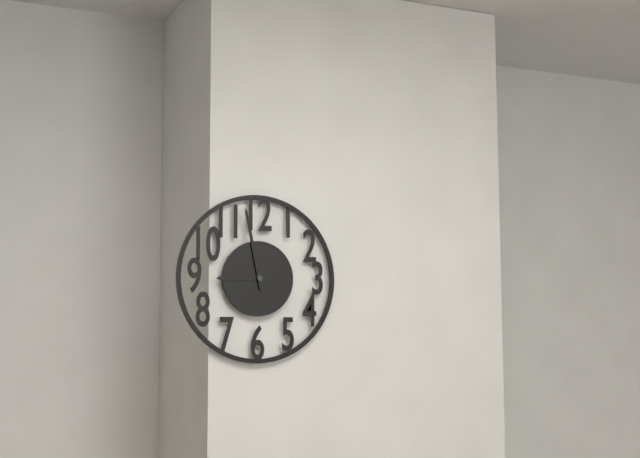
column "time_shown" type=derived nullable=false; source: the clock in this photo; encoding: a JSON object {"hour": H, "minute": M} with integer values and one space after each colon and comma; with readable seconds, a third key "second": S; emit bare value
{"hour": 8, "minute": 58}
